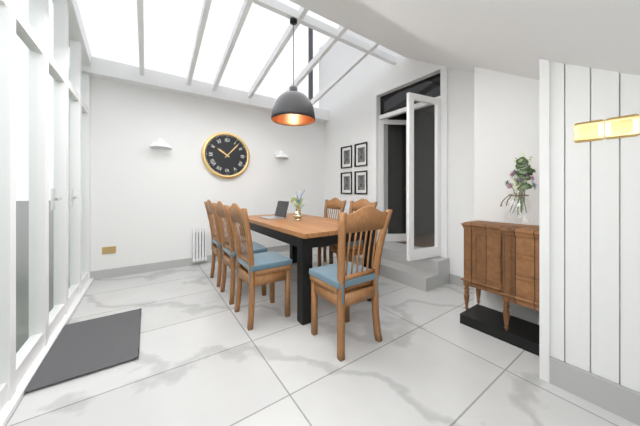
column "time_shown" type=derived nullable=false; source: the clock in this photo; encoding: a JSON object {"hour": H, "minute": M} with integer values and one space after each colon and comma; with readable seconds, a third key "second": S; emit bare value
{"hour": 10, "minute": 7}
